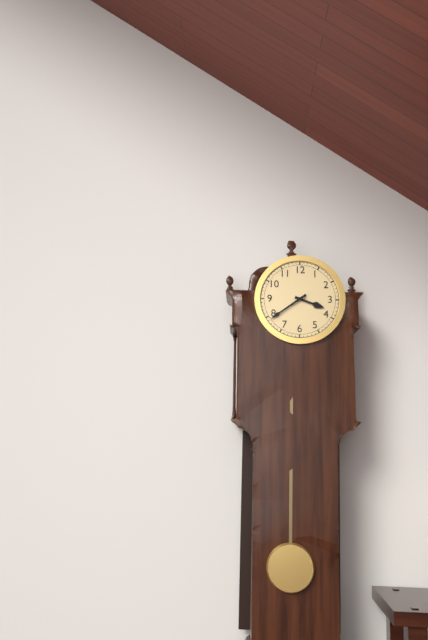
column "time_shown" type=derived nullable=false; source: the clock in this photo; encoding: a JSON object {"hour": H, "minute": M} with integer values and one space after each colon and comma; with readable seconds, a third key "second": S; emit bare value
{"hour": 3, "minute": 39}
